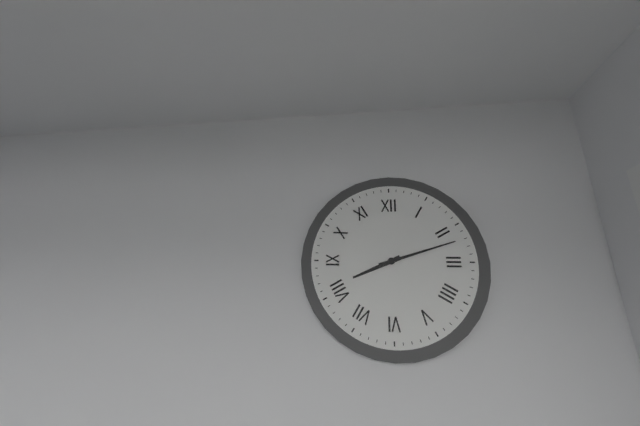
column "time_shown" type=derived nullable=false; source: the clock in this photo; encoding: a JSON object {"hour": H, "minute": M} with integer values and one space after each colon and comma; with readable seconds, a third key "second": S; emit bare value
{"hour": 8, "minute": 12}
